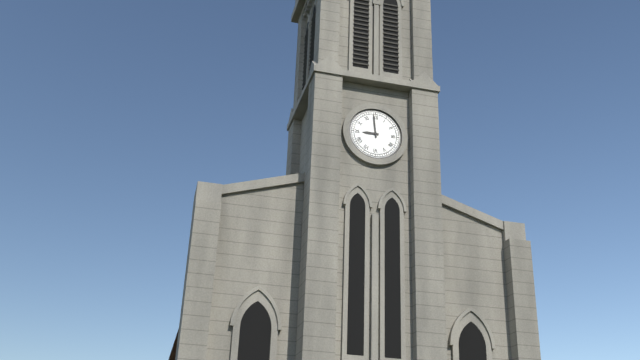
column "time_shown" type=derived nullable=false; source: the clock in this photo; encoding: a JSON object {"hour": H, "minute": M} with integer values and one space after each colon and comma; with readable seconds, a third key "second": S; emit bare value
{"hour": 8, "minute": 59}
